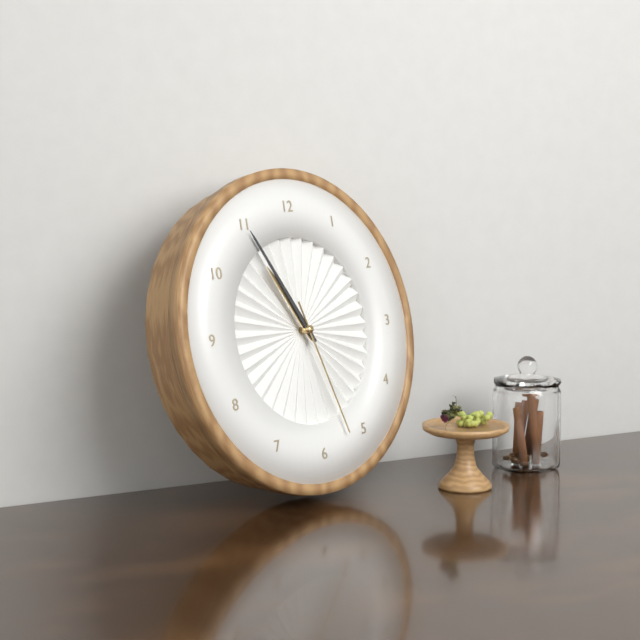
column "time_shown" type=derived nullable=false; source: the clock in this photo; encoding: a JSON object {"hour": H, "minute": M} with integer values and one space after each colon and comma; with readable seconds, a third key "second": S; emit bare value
{"hour": 10, "minute": 55, "second": 27}
